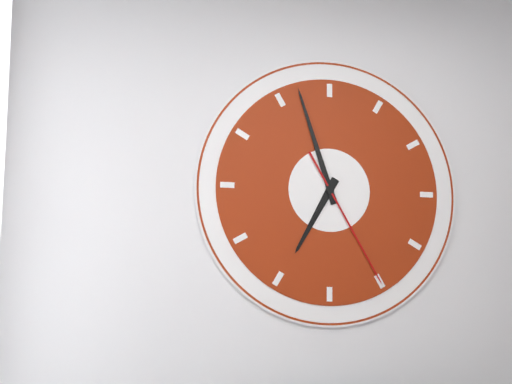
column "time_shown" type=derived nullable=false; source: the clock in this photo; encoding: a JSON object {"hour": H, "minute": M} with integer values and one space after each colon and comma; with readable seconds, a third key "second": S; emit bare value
{"hour": 6, "minute": 57, "second": 25}
